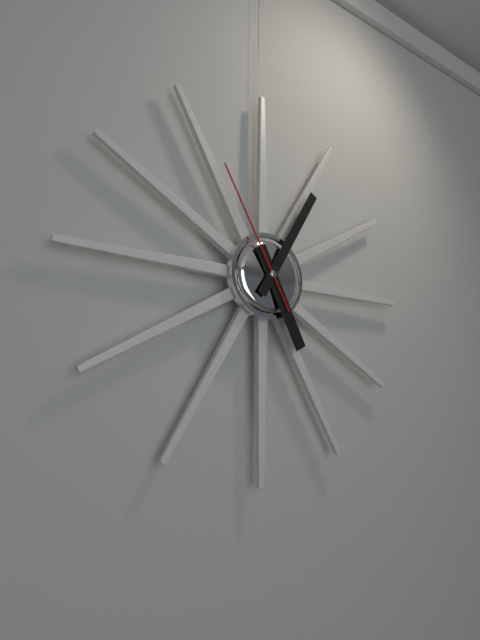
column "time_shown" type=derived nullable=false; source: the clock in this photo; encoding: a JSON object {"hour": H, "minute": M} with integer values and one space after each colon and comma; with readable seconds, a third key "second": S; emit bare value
{"hour": 5, "minute": 5, "second": 55}
